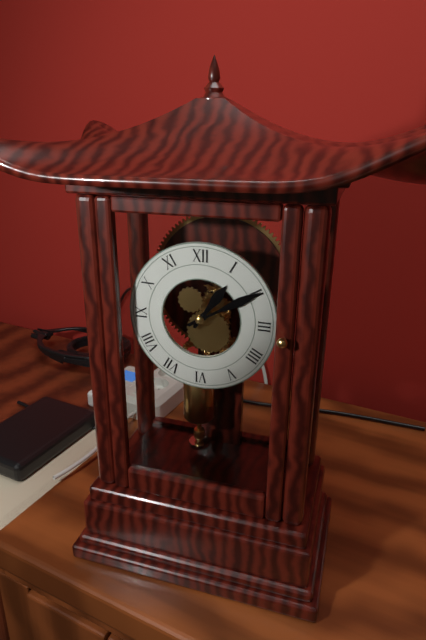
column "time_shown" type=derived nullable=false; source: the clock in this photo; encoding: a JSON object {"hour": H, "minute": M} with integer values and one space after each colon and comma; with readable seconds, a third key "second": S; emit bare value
{"hour": 1, "minute": 10}
